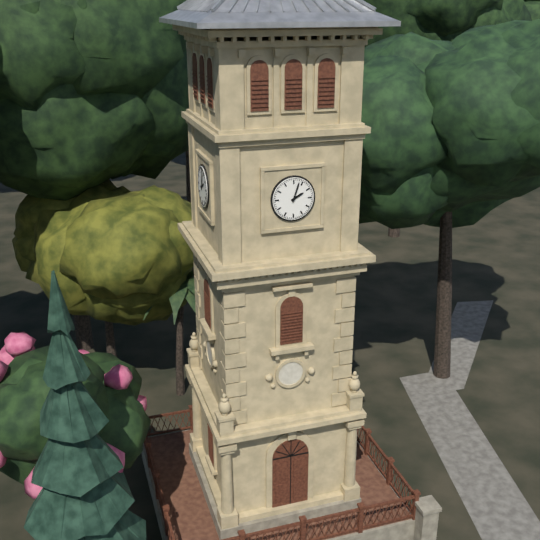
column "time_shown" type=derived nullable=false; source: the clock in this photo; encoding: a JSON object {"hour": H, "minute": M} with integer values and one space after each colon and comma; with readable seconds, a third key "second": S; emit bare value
{"hour": 2, "minute": 3}
